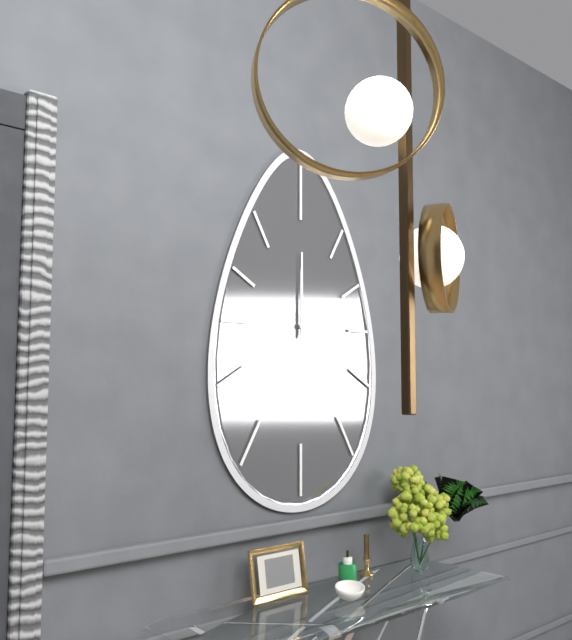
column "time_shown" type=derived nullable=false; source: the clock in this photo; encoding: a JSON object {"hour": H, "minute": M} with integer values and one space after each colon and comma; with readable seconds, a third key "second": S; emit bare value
{"hour": 12, "minute": 0}
